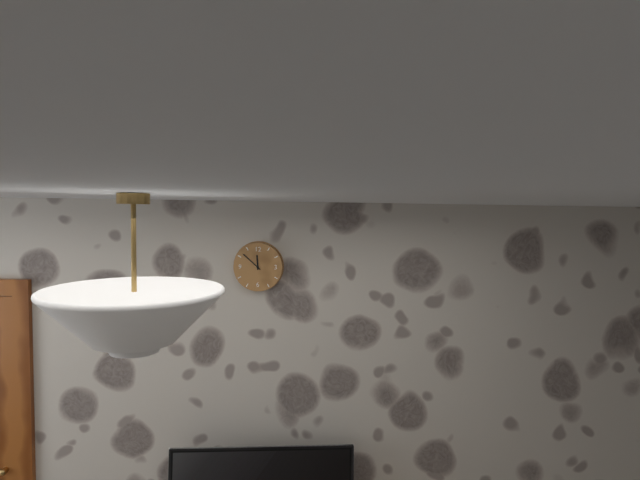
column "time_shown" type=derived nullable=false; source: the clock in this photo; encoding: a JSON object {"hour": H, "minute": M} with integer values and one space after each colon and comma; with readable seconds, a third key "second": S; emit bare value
{"hour": 11, "minute": 52}
